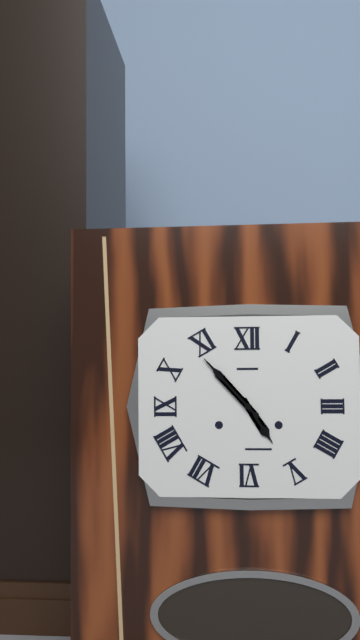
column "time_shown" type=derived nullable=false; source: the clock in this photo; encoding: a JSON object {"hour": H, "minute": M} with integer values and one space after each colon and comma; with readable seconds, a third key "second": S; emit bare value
{"hour": 4, "minute": 53}
